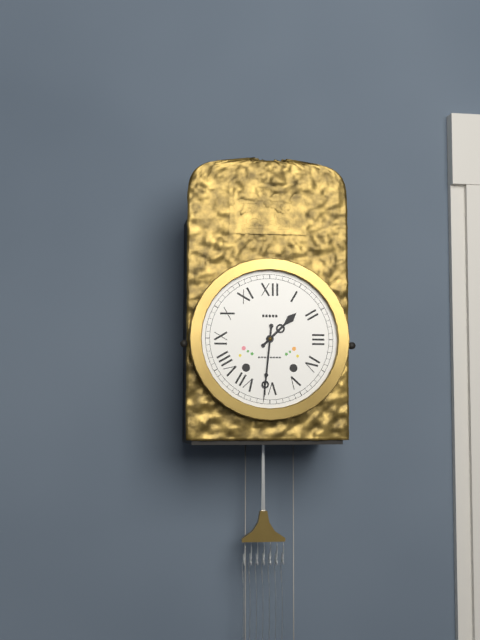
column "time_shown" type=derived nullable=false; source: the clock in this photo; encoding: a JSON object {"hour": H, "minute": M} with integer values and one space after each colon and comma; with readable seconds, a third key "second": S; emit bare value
{"hour": 1, "minute": 31}
